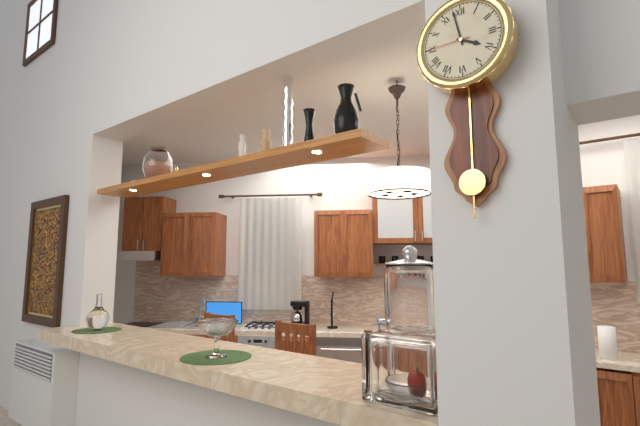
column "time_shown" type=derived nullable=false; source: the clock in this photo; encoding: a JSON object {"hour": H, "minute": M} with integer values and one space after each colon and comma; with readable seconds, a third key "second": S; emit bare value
{"hour": 3, "minute": 58}
